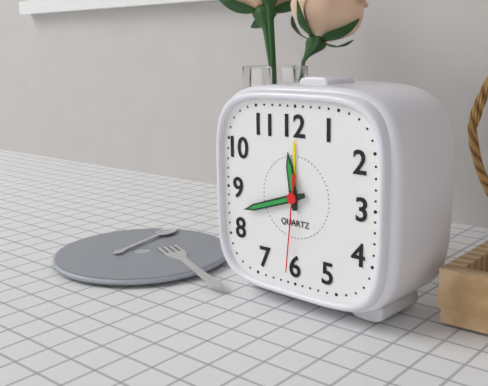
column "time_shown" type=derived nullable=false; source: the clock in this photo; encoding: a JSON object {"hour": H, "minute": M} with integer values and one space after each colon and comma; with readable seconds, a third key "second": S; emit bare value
{"hour": 11, "minute": 42, "second": 31}
